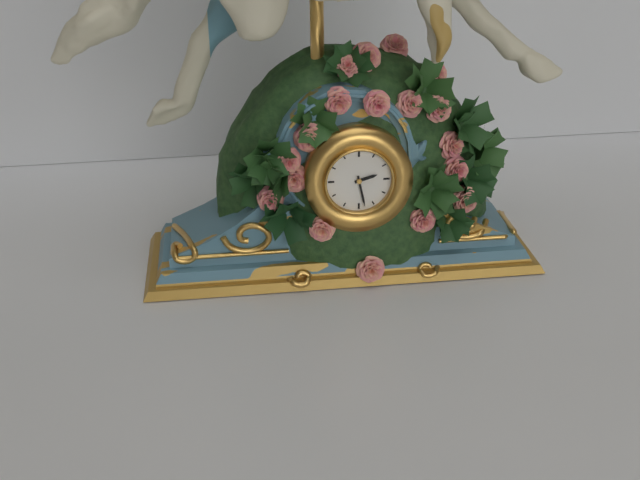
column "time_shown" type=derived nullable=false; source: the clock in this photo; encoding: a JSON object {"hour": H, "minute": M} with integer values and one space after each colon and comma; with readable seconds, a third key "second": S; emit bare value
{"hour": 2, "minute": 28}
